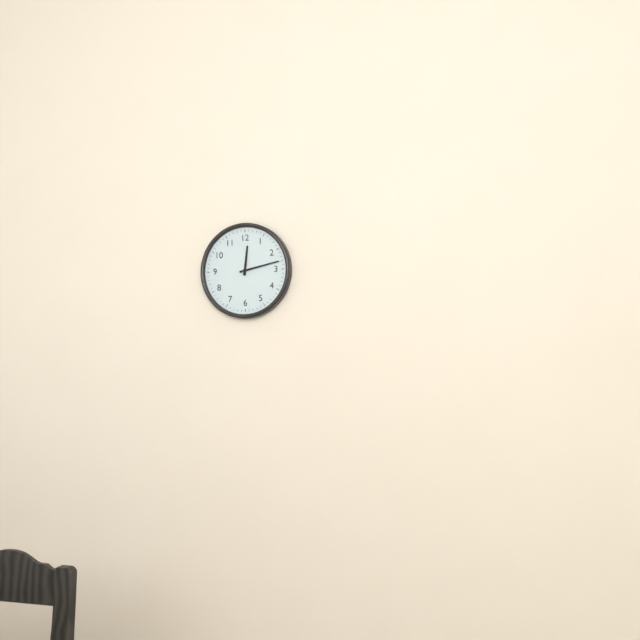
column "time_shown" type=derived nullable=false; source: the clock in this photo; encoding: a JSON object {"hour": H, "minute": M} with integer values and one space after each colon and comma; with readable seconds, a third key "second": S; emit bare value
{"hour": 12, "minute": 13}
